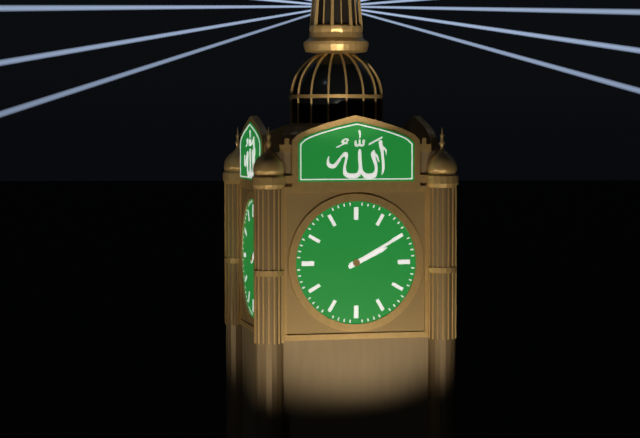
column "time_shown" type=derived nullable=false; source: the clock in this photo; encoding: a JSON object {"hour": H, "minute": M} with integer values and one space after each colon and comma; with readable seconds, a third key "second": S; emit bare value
{"hour": 2, "minute": 10}
